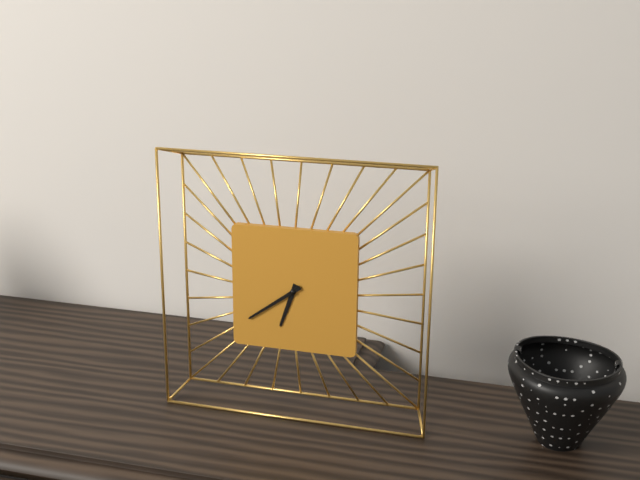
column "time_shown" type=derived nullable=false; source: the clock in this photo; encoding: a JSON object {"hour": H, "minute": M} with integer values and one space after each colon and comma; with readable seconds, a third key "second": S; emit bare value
{"hour": 6, "minute": 39}
